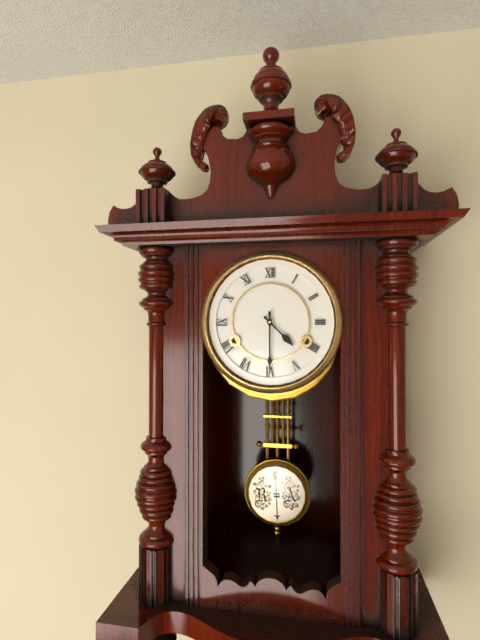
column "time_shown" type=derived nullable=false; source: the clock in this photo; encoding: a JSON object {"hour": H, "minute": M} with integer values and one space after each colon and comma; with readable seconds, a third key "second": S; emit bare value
{"hour": 4, "minute": 30}
